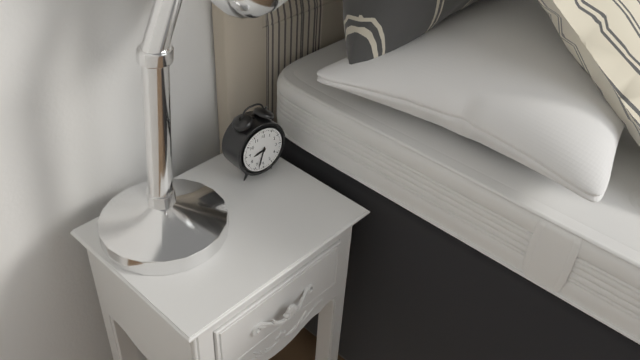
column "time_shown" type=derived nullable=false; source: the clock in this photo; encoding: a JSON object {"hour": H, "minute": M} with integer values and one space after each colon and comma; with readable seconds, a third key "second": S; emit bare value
{"hour": 8, "minute": 33}
